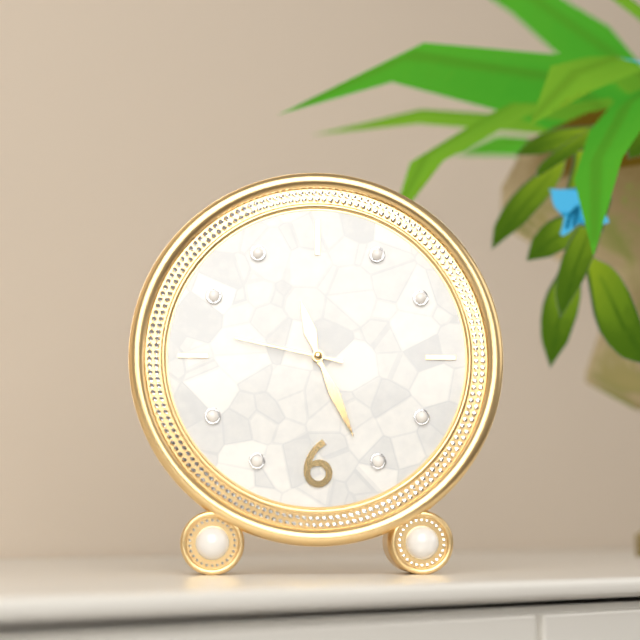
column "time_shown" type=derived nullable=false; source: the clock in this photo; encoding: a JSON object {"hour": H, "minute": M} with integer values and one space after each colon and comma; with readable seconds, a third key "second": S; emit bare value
{"hour": 11, "minute": 26, "second": 47}
